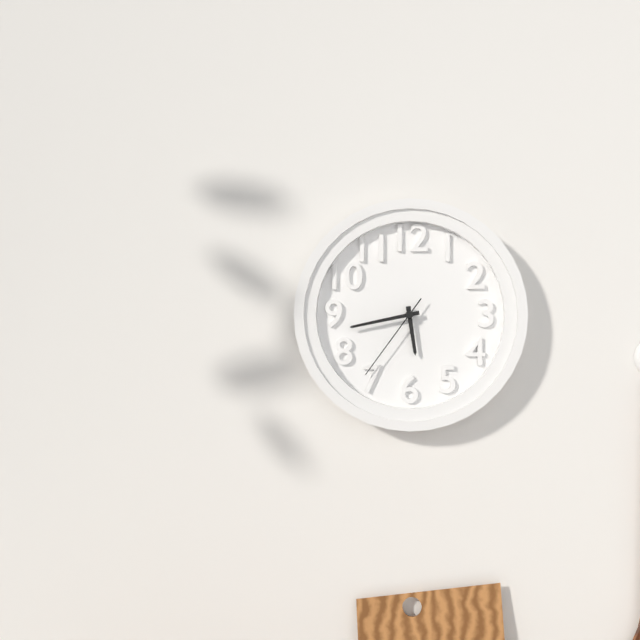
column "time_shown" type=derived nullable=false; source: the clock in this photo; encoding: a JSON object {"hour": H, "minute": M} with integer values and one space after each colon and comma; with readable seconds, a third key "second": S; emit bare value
{"hour": 5, "minute": 43, "second": 36}
